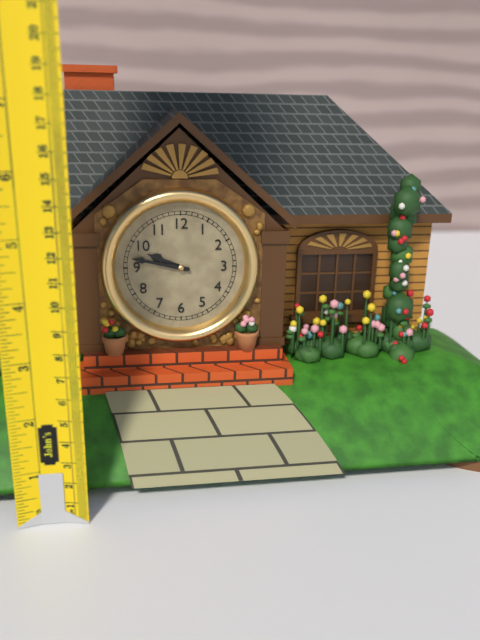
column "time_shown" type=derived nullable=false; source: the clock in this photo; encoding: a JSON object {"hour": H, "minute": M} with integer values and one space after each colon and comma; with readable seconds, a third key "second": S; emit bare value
{"hour": 9, "minute": 47}
